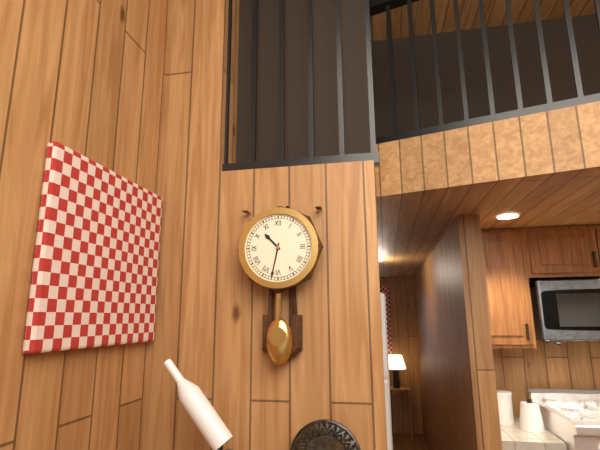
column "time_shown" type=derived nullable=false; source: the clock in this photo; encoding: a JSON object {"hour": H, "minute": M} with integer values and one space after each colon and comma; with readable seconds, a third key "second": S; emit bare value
{"hour": 10, "minute": 32}
